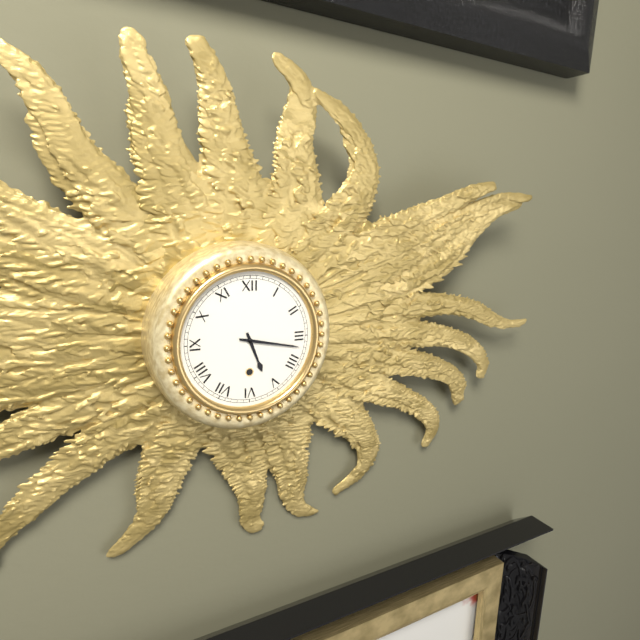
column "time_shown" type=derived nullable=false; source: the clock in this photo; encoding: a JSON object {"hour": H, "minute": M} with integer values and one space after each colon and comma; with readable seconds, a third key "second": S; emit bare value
{"hour": 5, "minute": 17}
